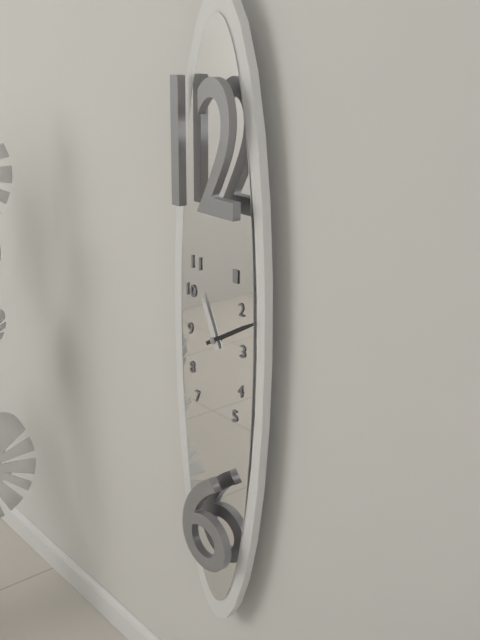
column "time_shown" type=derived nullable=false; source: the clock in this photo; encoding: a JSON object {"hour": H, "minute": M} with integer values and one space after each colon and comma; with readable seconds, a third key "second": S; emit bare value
{"hour": 11, "minute": 10}
